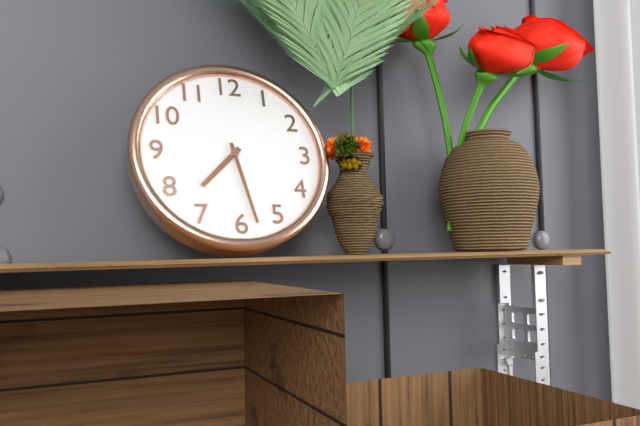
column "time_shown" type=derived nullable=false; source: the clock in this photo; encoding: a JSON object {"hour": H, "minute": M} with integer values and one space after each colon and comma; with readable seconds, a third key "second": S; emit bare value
{"hour": 7, "minute": 28}
